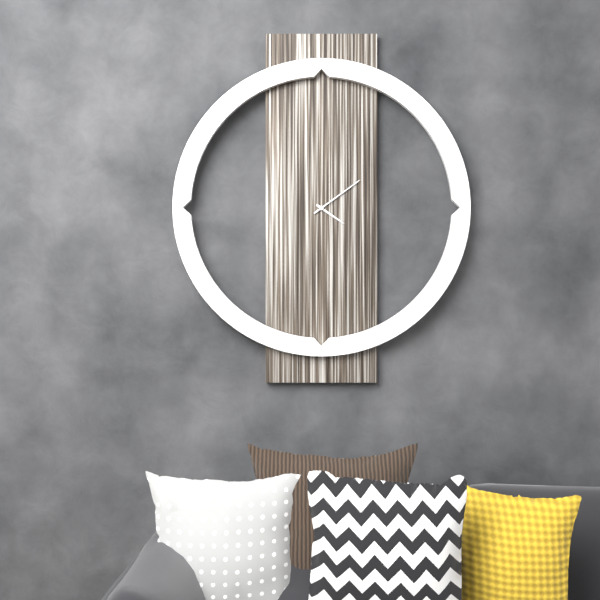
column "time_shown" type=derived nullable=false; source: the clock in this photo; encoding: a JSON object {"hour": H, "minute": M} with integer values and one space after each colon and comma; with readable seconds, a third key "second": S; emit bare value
{"hour": 4, "minute": 9}
